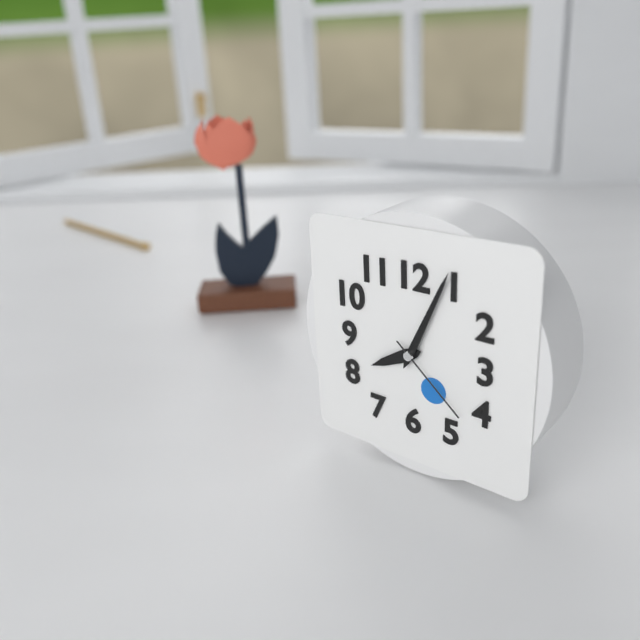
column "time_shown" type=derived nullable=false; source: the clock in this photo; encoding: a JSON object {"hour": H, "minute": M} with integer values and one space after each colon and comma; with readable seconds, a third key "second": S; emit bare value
{"hour": 8, "minute": 4, "second": 22}
